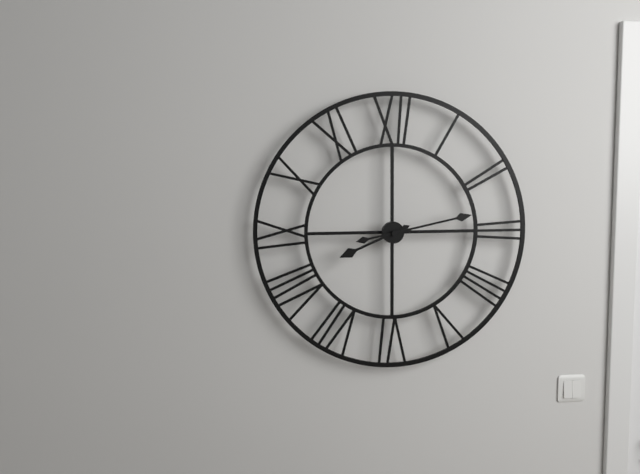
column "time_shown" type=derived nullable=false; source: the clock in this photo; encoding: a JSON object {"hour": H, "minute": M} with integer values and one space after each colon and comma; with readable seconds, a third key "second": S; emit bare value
{"hour": 8, "minute": 13}
